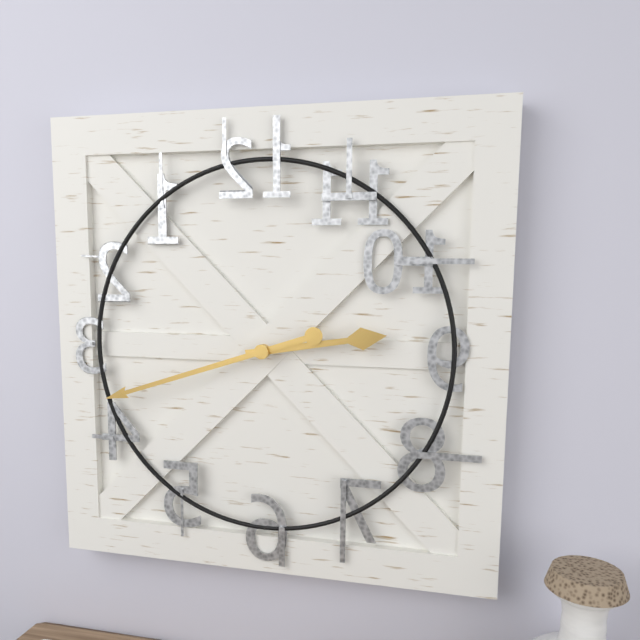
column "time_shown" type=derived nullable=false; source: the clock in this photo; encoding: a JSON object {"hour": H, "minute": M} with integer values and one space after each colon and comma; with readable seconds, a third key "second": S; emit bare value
{"hour": 2, "minute": 42}
